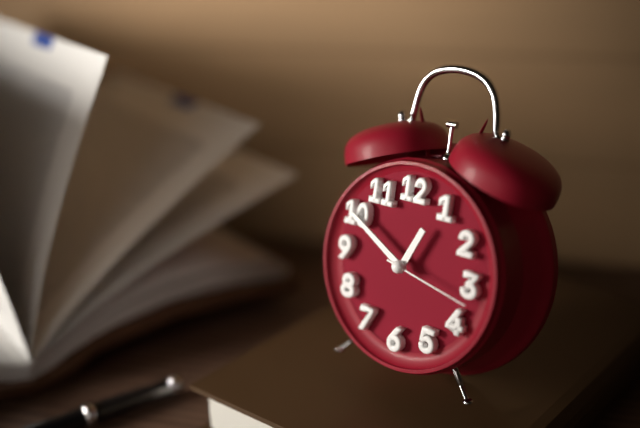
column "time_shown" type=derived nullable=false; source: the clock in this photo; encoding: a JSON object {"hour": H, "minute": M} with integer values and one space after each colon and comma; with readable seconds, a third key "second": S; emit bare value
{"hour": 12, "minute": 50, "second": 17}
